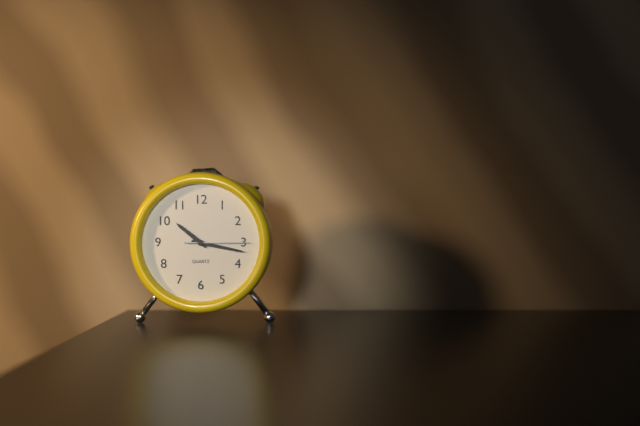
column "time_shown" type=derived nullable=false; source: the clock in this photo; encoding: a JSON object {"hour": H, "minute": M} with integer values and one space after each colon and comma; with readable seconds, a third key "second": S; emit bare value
{"hour": 10, "minute": 17, "second": 15}
